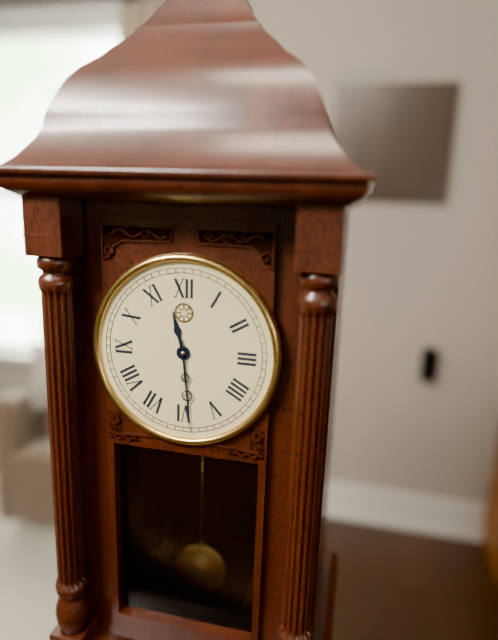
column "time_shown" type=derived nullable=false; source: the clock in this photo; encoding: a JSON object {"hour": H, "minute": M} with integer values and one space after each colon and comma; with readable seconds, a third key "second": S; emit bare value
{"hour": 11, "minute": 29}
